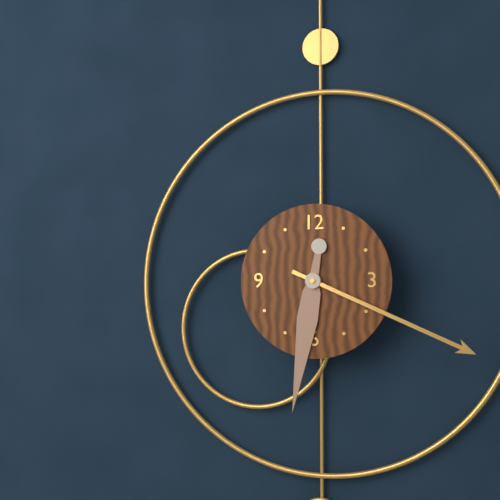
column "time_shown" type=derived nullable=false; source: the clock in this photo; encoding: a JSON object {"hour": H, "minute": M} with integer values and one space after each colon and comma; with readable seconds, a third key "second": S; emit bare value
{"hour": 6, "minute": 19}
